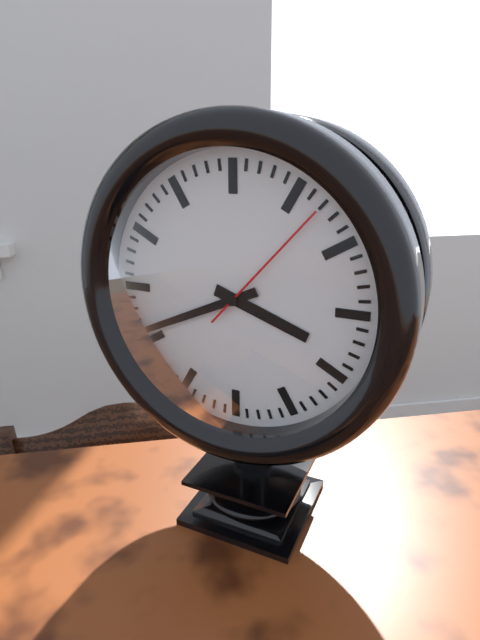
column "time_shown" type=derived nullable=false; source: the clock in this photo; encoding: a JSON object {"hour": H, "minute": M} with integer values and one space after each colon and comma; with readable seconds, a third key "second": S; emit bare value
{"hour": 3, "minute": 41, "second": 7}
